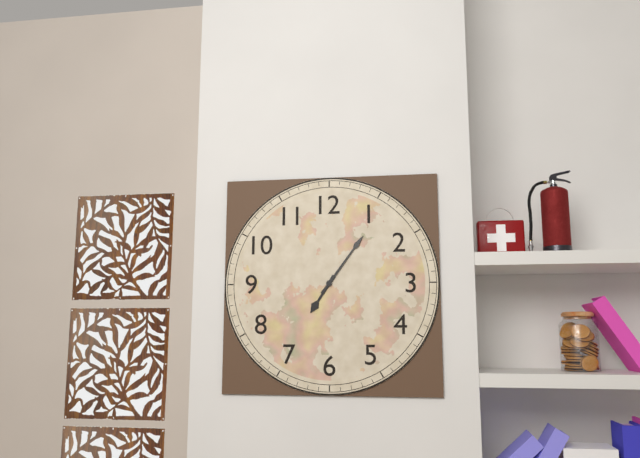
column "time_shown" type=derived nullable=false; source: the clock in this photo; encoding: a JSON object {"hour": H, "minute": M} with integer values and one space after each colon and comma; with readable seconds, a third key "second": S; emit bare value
{"hour": 7, "minute": 6}
